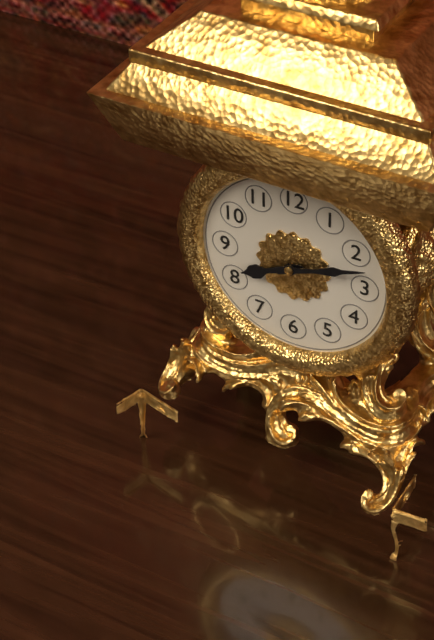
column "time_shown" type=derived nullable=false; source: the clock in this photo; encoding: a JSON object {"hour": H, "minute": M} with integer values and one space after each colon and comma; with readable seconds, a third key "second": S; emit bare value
{"hour": 8, "minute": 12}
